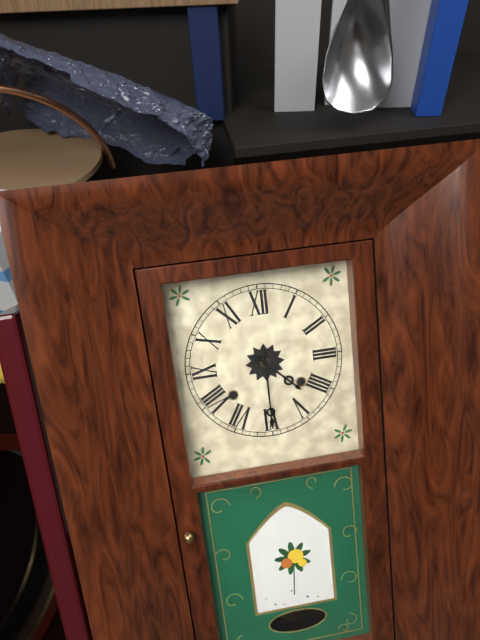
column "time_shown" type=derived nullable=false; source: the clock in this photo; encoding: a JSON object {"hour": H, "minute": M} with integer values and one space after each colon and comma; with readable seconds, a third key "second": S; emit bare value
{"hour": 4, "minute": 30}
